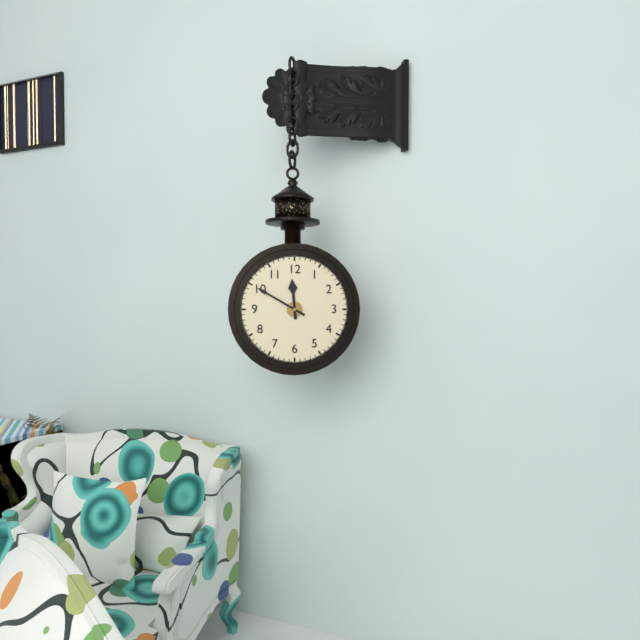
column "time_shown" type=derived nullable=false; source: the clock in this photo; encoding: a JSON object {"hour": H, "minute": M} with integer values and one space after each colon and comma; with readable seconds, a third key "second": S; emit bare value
{"hour": 11, "minute": 50}
